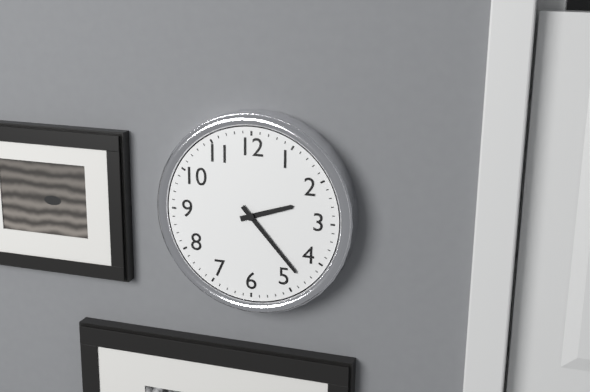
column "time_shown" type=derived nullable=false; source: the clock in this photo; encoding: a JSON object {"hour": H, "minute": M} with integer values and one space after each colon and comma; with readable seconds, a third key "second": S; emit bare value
{"hour": 2, "minute": 23}
